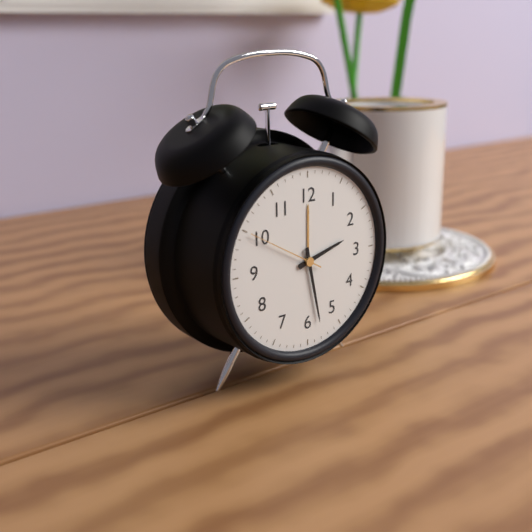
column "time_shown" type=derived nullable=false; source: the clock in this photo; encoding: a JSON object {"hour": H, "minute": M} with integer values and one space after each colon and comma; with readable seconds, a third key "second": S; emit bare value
{"hour": 2, "minute": 28, "second": 50}
